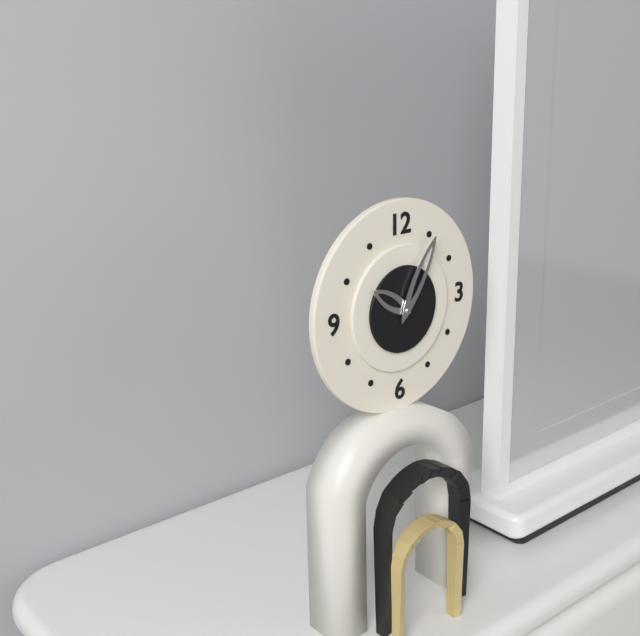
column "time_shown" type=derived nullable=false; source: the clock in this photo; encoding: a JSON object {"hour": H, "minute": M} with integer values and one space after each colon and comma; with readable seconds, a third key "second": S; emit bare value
{"hour": 10, "minute": 5}
